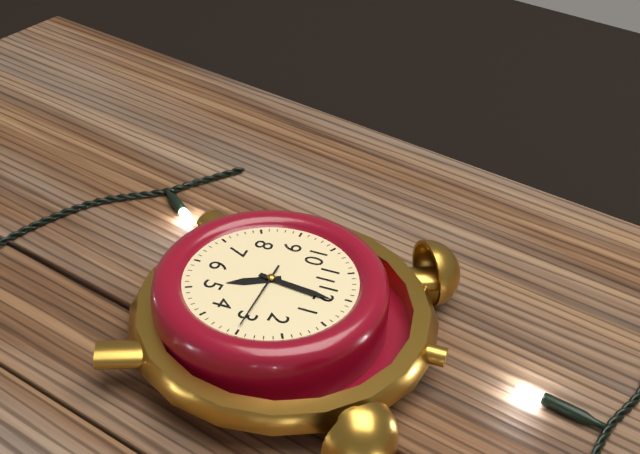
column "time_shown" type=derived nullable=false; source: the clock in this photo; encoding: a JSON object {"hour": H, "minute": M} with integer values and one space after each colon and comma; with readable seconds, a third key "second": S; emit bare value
{"hour": 5, "minute": 1, "second": 15}
